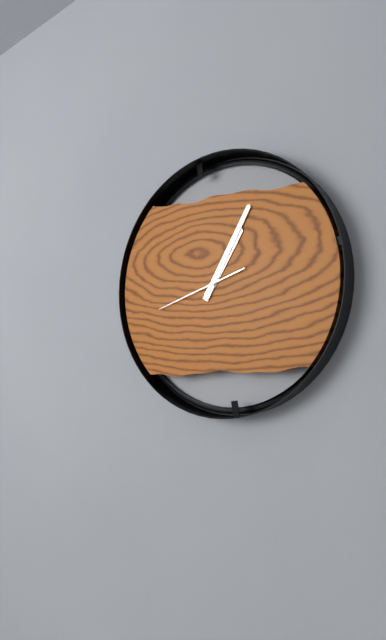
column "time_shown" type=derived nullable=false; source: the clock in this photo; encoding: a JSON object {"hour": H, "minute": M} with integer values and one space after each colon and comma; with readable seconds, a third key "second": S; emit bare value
{"hour": 1, "minute": 5, "second": 42}
